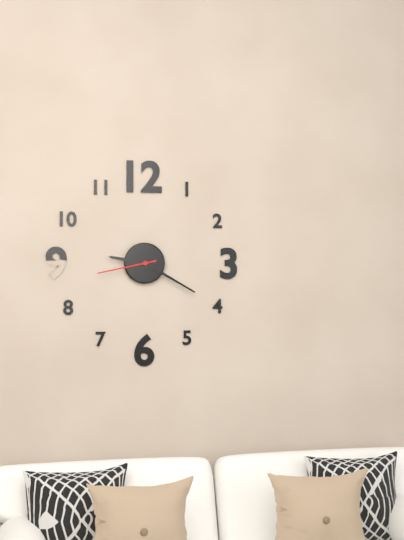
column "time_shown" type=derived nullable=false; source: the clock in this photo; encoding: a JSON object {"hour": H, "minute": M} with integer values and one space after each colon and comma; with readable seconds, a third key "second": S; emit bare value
{"hour": 9, "minute": 20, "second": 43}
